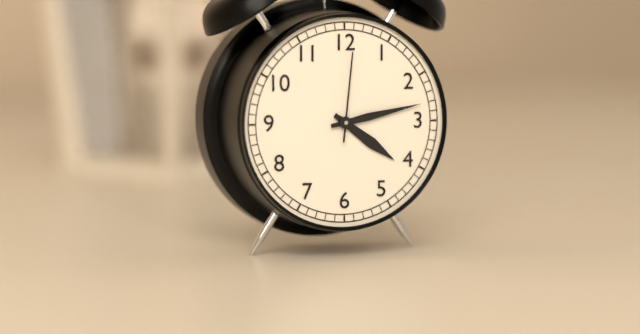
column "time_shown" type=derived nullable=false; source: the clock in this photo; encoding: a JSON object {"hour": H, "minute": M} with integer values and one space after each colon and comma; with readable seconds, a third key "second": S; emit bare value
{"hour": 4, "minute": 13, "second": 1}
